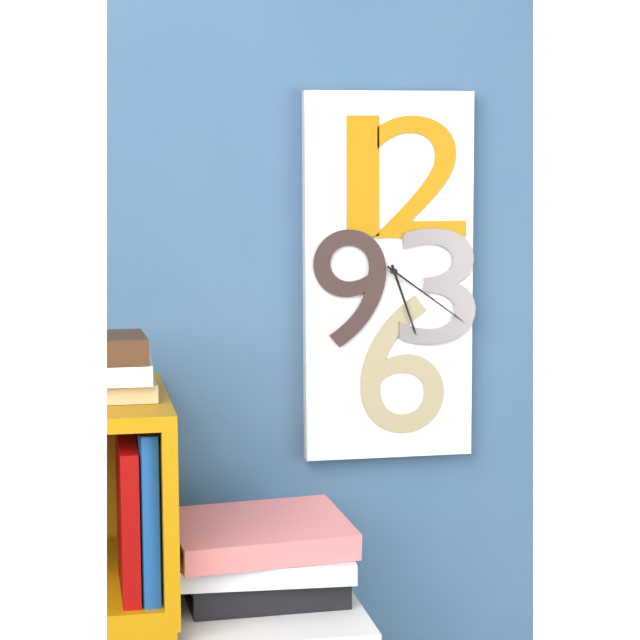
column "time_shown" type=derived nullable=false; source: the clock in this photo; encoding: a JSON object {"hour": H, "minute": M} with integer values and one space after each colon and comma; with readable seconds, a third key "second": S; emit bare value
{"hour": 5, "minute": 21}
